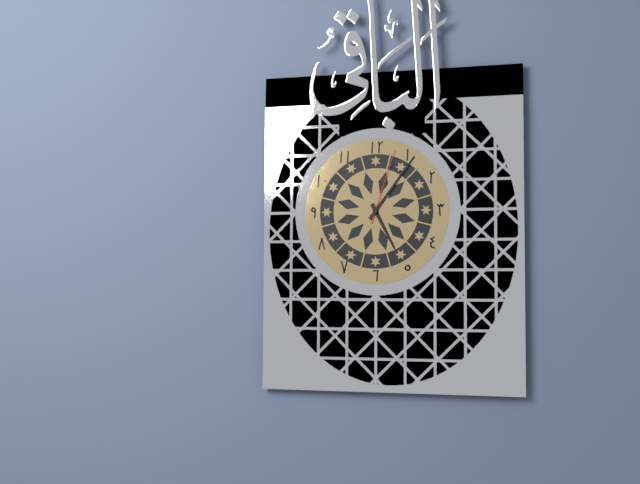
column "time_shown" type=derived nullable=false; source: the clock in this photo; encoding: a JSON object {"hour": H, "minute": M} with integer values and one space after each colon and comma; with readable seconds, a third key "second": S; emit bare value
{"hour": 5, "minute": 6, "second": 3}
